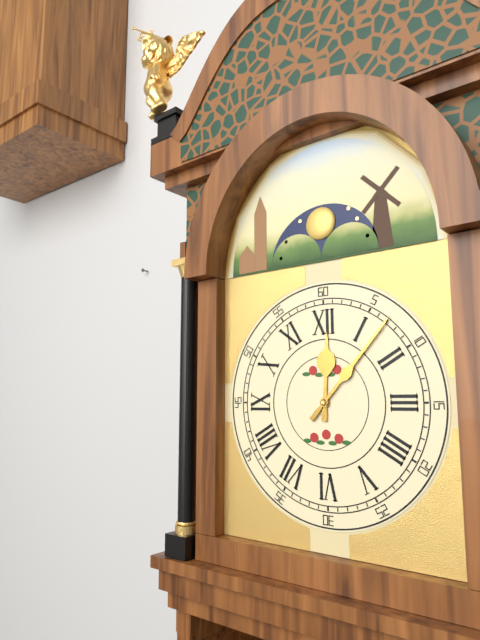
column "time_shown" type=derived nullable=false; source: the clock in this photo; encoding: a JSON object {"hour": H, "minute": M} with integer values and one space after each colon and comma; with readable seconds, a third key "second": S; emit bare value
{"hour": 12, "minute": 7}
